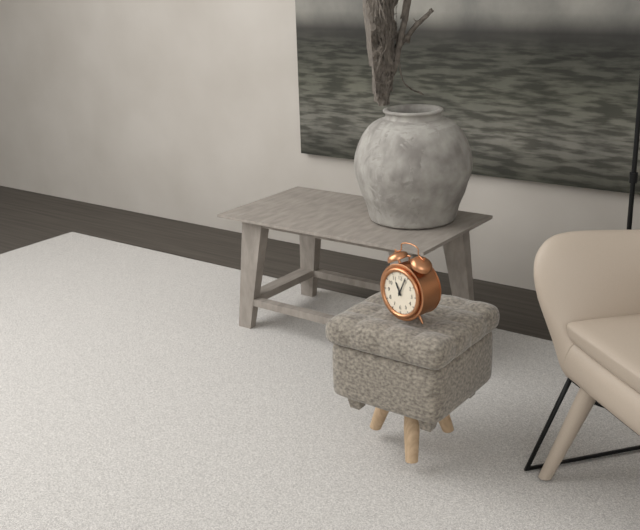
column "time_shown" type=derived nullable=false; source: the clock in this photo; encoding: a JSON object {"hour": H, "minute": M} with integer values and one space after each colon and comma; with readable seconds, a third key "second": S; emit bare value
{"hour": 11, "minute": 4}
